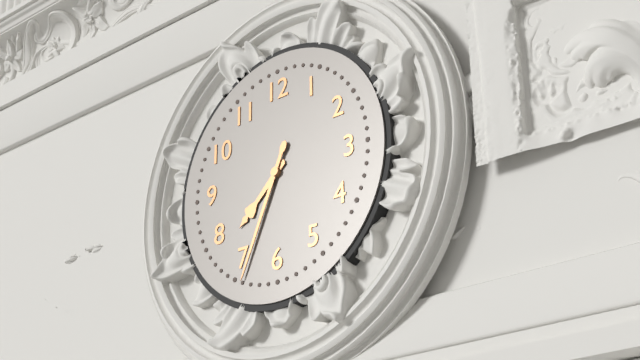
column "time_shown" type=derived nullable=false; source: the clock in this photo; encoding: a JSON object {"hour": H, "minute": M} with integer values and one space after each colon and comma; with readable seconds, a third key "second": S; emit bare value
{"hour": 7, "minute": 34}
